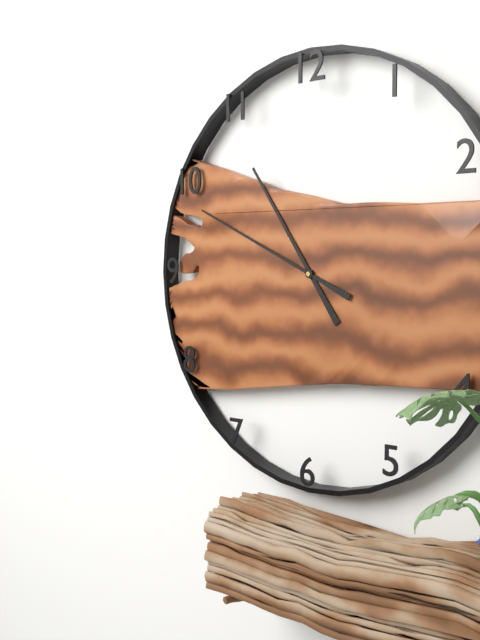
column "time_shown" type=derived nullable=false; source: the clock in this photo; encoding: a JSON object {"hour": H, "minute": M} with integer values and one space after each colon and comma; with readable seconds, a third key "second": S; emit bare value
{"hour": 10, "minute": 49}
